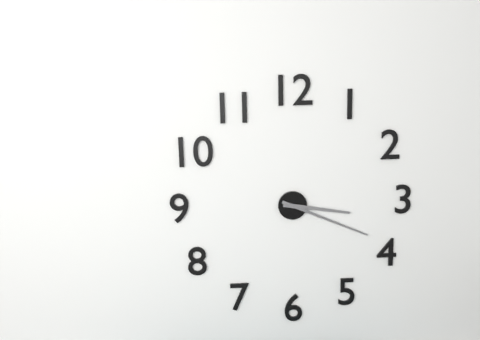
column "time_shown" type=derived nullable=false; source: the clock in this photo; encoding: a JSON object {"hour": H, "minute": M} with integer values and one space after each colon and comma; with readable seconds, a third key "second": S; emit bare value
{"hour": 3, "minute": 19}
